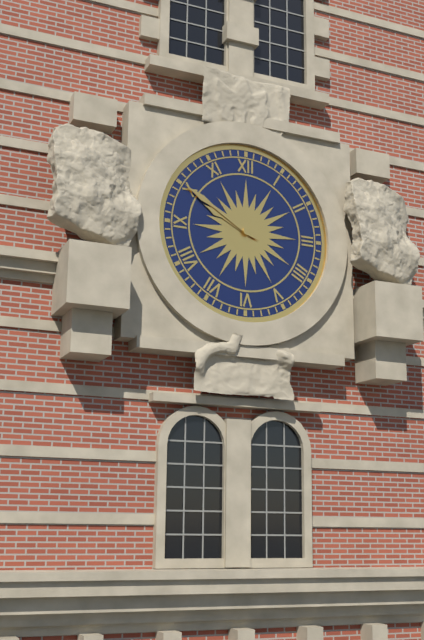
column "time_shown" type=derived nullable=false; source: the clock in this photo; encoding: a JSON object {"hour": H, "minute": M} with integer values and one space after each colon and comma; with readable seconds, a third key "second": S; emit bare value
{"hour": 9, "minute": 50}
